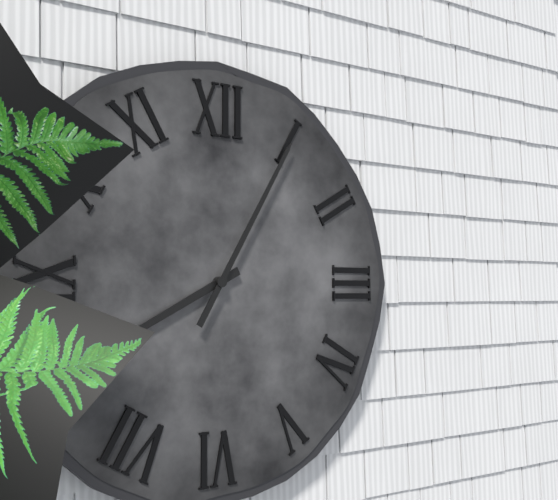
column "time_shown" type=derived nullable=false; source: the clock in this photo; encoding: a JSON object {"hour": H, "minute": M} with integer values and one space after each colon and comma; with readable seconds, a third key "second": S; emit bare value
{"hour": 8, "minute": 5}
